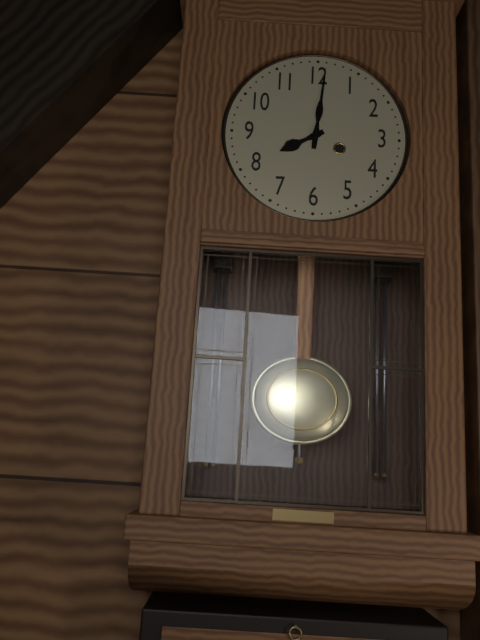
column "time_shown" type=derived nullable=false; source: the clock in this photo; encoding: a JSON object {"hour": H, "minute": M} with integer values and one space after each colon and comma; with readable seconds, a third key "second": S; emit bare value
{"hour": 8, "minute": 1}
